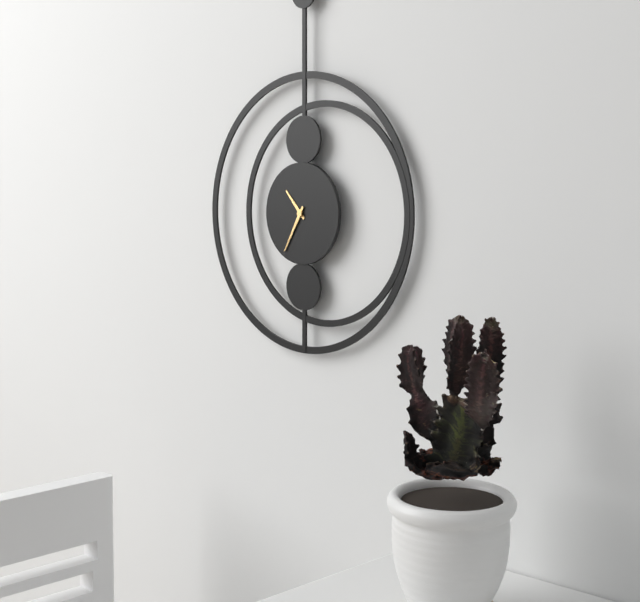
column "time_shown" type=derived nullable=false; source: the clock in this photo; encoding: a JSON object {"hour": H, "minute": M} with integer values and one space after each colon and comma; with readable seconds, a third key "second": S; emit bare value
{"hour": 10, "minute": 35}
